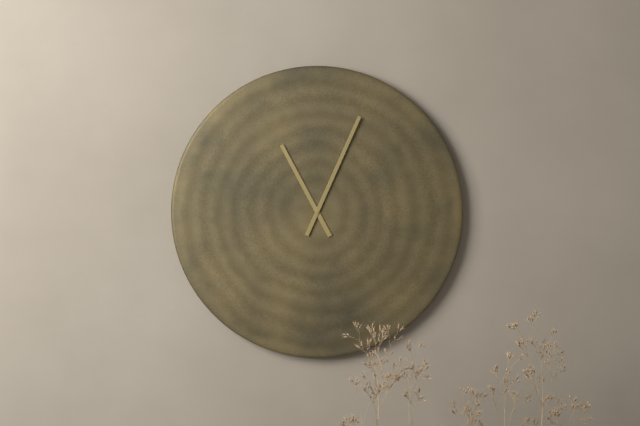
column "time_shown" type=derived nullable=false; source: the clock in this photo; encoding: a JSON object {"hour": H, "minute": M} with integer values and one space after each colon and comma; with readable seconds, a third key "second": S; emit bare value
{"hour": 11, "minute": 4}
